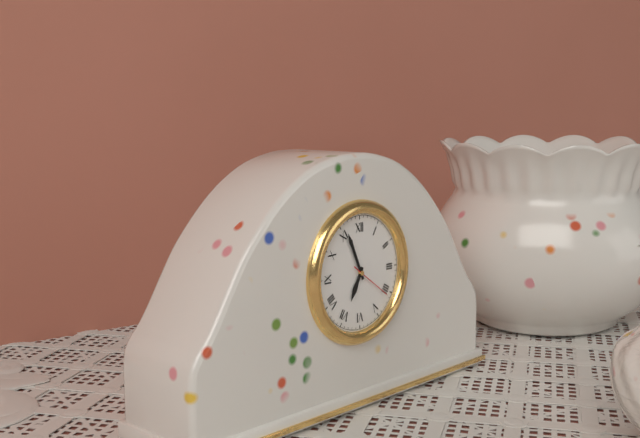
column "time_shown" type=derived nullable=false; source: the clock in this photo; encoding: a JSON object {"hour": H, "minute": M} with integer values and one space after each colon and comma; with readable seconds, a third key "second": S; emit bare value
{"hour": 6, "minute": 56}
